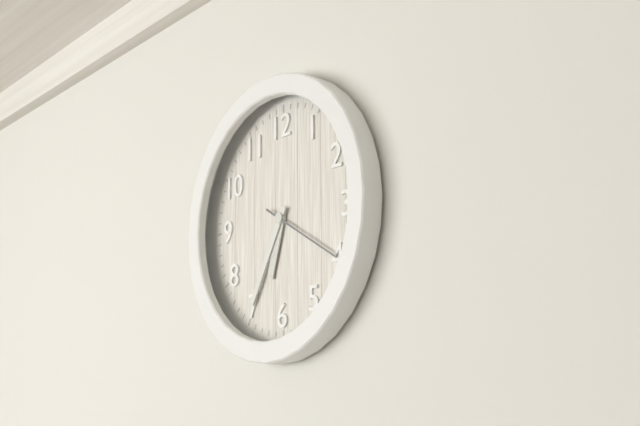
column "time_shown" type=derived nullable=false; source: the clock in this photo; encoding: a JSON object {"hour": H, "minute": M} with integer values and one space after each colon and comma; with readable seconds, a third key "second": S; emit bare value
{"hour": 6, "minute": 35, "second": 20}
